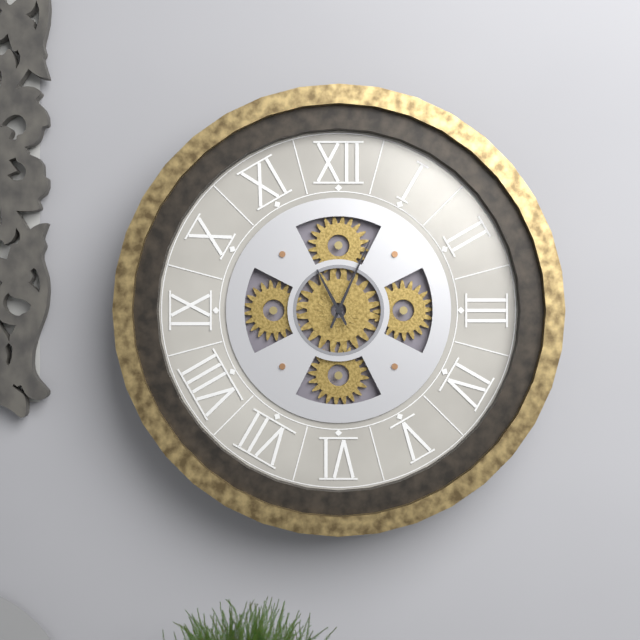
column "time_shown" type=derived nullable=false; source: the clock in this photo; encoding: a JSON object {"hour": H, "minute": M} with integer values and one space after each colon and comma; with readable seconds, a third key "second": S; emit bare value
{"hour": 11, "minute": 4}
